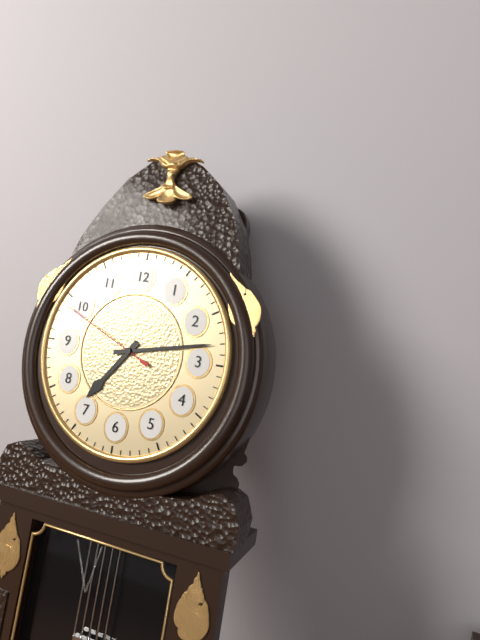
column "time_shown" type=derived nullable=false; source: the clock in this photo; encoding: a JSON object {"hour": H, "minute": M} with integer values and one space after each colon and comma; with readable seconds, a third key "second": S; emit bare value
{"hour": 7, "minute": 13, "second": 49}
